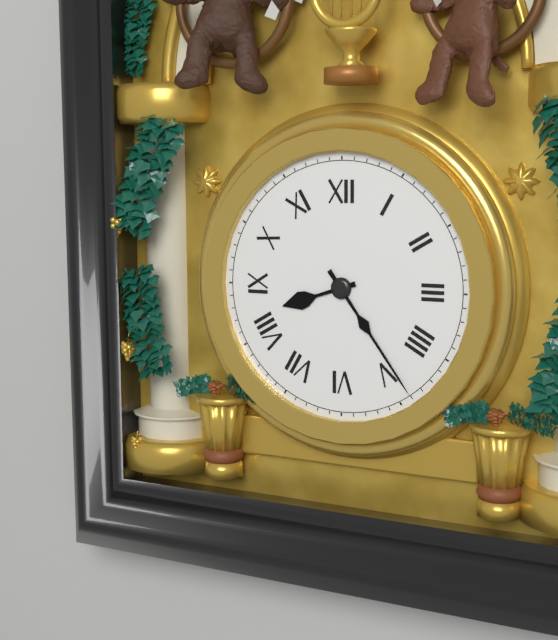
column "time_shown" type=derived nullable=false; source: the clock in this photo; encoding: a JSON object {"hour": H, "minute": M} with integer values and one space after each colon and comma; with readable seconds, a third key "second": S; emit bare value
{"hour": 8, "minute": 24}
